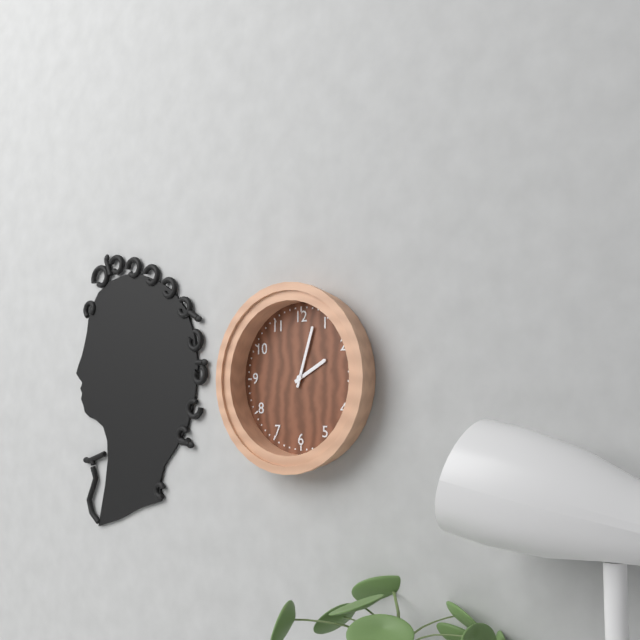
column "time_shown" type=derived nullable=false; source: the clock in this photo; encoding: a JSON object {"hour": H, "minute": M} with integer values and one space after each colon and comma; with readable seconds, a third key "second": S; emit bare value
{"hour": 2, "minute": 3}
